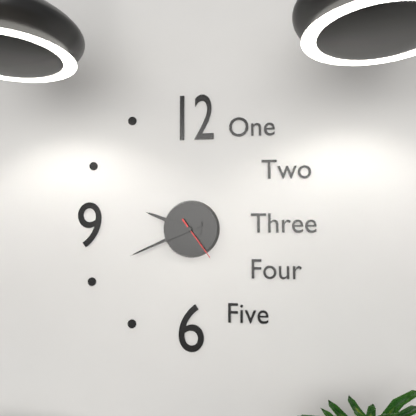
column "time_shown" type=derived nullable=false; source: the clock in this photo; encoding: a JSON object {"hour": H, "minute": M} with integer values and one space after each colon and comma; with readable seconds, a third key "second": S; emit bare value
{"hour": 9, "minute": 41}
